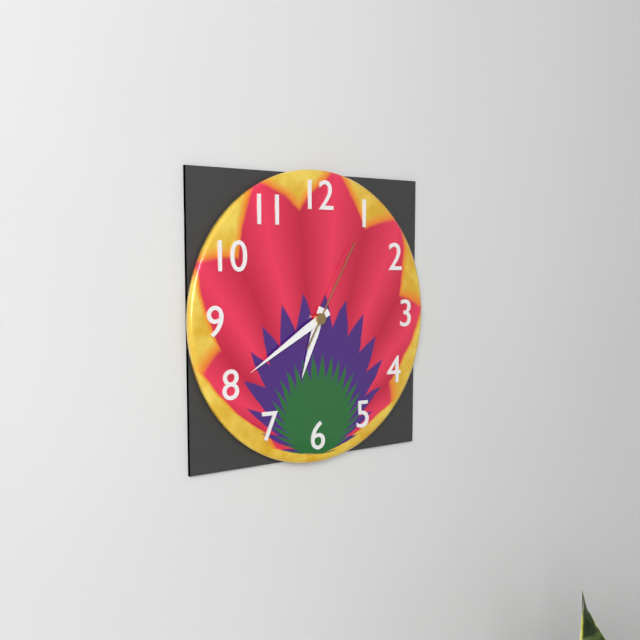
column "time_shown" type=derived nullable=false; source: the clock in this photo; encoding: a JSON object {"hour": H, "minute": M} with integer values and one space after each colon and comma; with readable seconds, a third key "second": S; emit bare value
{"hour": 6, "minute": 40, "second": 5}
